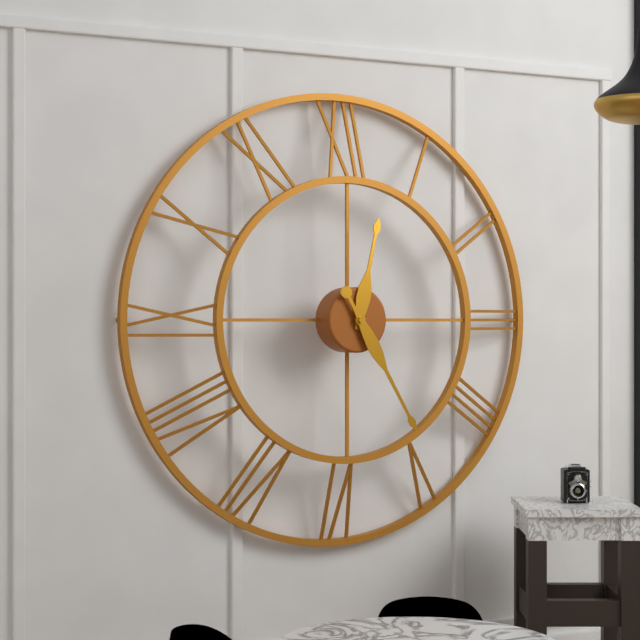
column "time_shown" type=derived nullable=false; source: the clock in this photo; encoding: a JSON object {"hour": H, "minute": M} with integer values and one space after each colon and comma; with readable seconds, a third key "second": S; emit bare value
{"hour": 12, "minute": 25}
